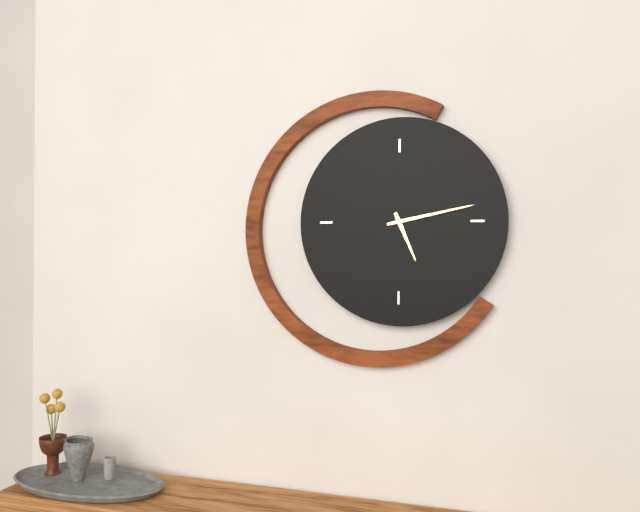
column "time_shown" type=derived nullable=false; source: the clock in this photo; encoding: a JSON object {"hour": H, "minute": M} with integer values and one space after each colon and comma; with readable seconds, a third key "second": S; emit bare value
{"hour": 5, "minute": 13}
